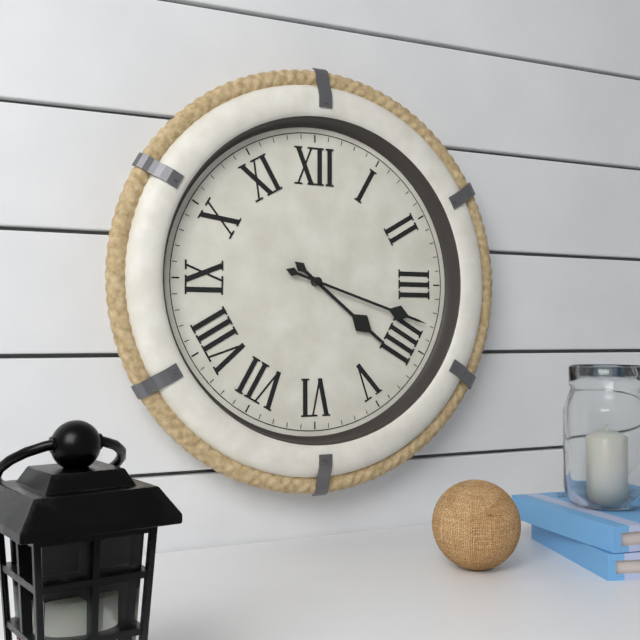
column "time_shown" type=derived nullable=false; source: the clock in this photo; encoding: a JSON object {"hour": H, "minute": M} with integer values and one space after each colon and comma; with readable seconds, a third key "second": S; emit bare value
{"hour": 4, "minute": 18}
